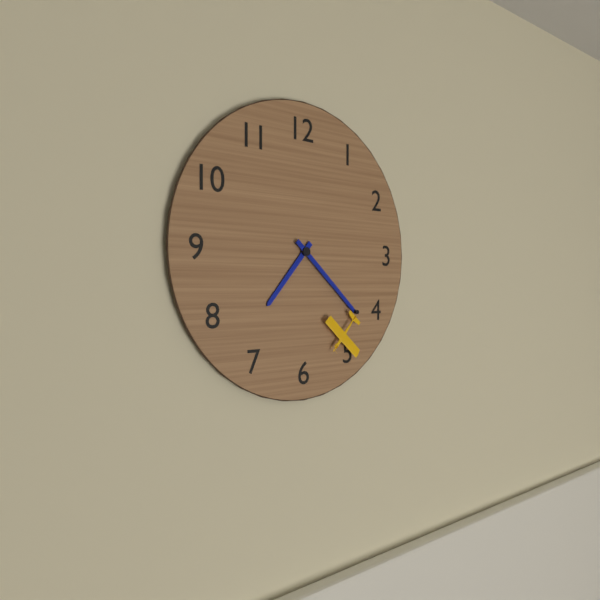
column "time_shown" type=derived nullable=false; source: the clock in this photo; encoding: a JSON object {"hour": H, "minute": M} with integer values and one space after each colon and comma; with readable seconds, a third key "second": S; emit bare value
{"hour": 7, "minute": 22}
